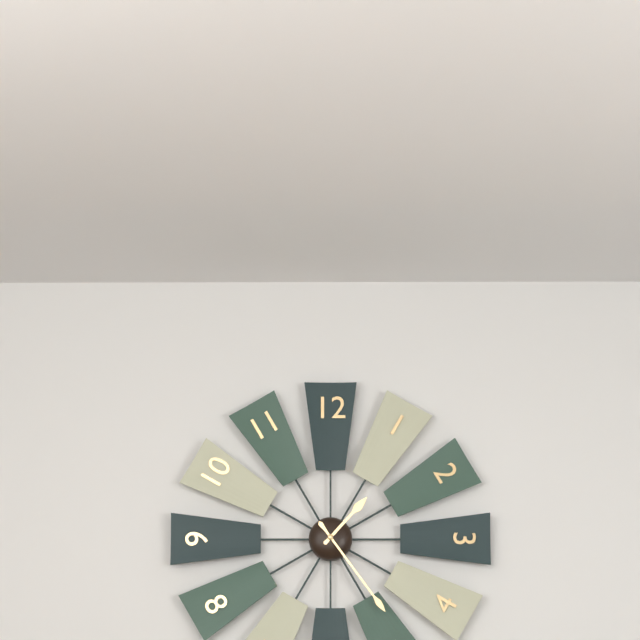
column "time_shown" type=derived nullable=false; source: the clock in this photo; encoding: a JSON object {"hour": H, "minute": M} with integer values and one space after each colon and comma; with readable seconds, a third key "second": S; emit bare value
{"hour": 1, "minute": 24}
